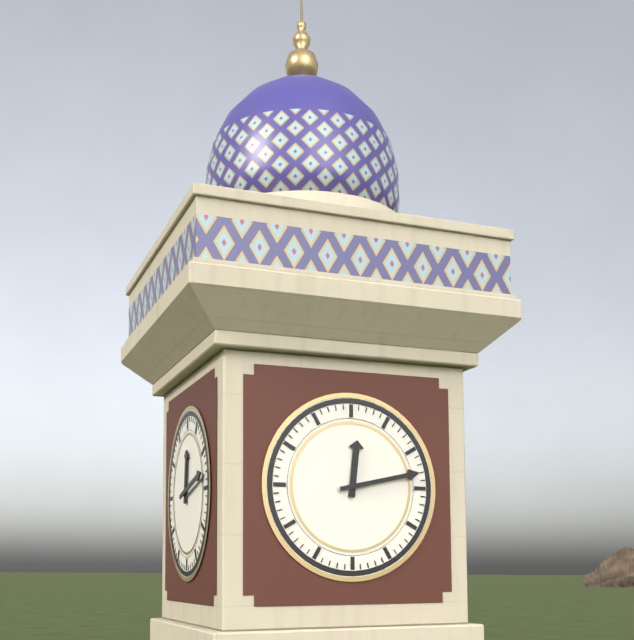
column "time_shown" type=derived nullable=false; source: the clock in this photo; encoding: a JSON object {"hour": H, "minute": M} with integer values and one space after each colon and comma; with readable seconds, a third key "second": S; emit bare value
{"hour": 12, "minute": 13}
